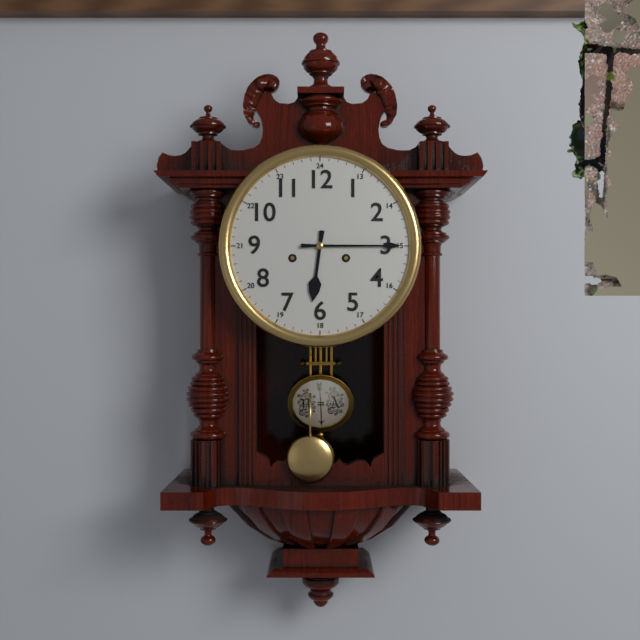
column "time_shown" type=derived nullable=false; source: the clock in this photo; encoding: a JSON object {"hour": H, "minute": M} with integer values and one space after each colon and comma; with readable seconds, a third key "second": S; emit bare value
{"hour": 6, "minute": 15}
